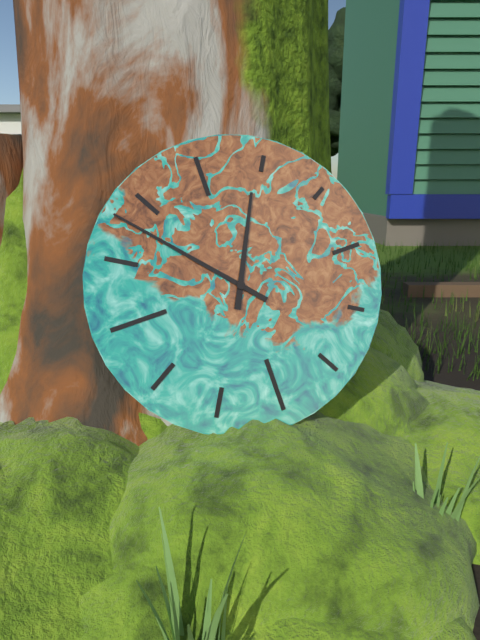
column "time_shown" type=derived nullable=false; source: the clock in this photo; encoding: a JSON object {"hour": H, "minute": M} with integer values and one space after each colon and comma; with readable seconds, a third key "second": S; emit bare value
{"hour": 12, "minute": 53}
